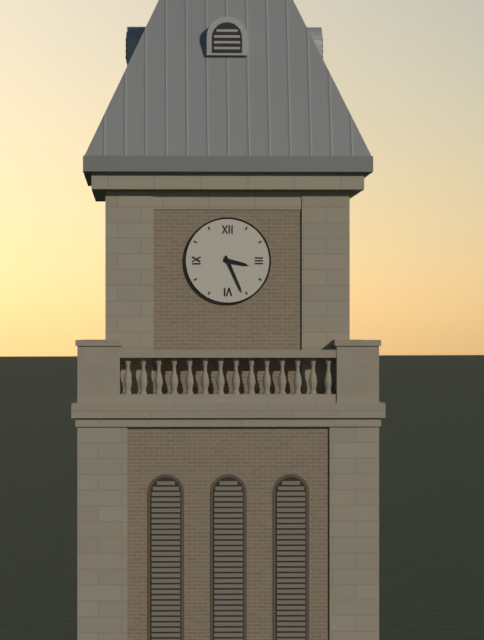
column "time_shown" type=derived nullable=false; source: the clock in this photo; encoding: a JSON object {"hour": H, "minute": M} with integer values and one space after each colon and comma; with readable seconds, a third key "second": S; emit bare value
{"hour": 3, "minute": 26}
